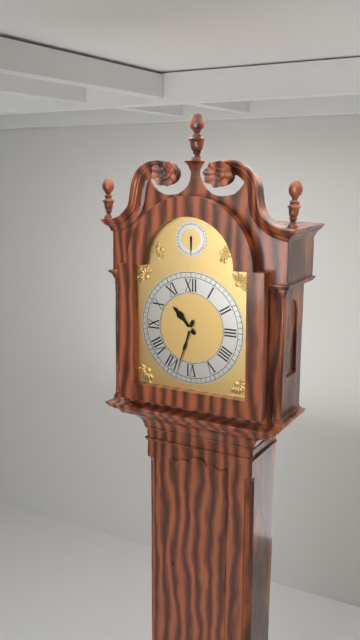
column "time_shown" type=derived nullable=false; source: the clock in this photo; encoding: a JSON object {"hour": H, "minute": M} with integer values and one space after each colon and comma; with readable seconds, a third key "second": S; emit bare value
{"hour": 10, "minute": 33}
